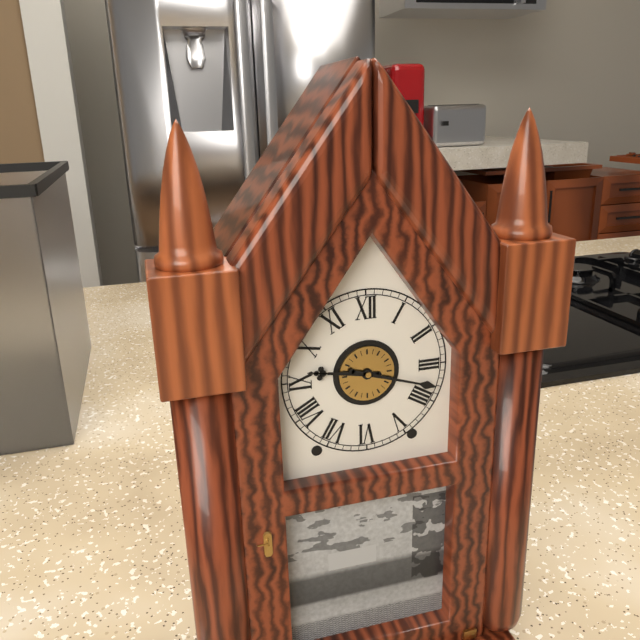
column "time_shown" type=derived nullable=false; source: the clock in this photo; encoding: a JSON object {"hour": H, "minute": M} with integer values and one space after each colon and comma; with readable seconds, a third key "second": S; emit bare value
{"hour": 9, "minute": 18}
